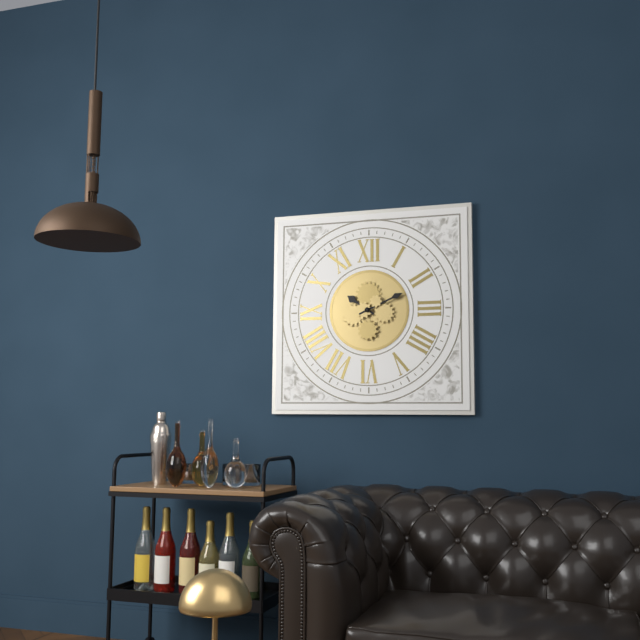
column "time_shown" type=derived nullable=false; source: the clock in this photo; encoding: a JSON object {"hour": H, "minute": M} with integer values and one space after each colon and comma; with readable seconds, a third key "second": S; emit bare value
{"hour": 10, "minute": 11}
